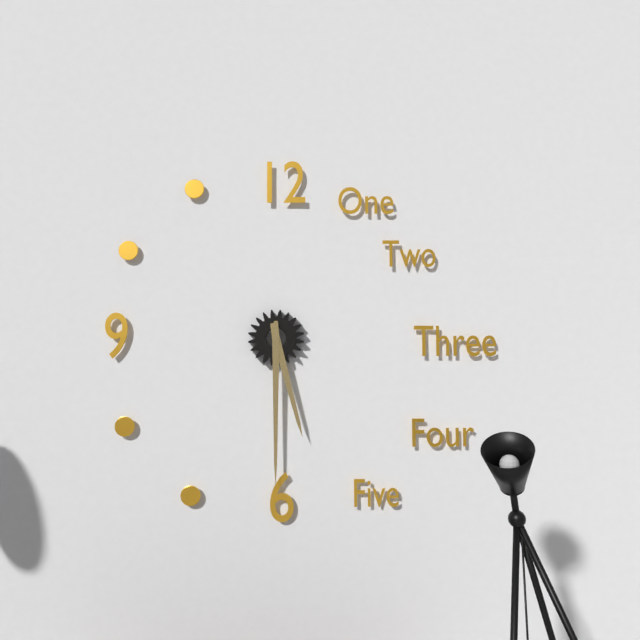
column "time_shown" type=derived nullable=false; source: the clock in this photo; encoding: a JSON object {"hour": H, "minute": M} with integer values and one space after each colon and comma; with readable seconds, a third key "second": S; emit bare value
{"hour": 5, "minute": 30}
